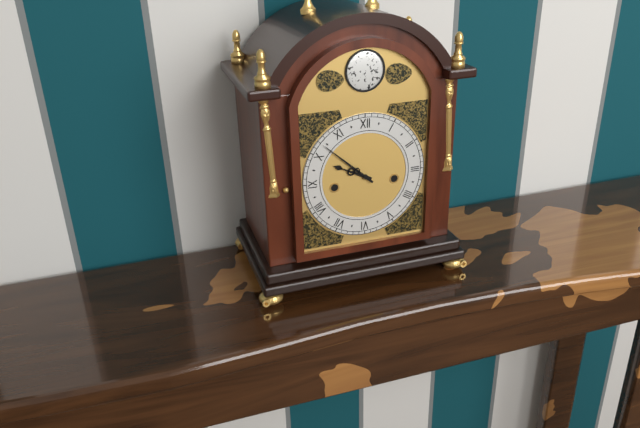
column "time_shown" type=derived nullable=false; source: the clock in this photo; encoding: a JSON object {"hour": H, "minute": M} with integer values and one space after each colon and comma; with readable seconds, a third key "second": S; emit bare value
{"hour": 9, "minute": 52}
